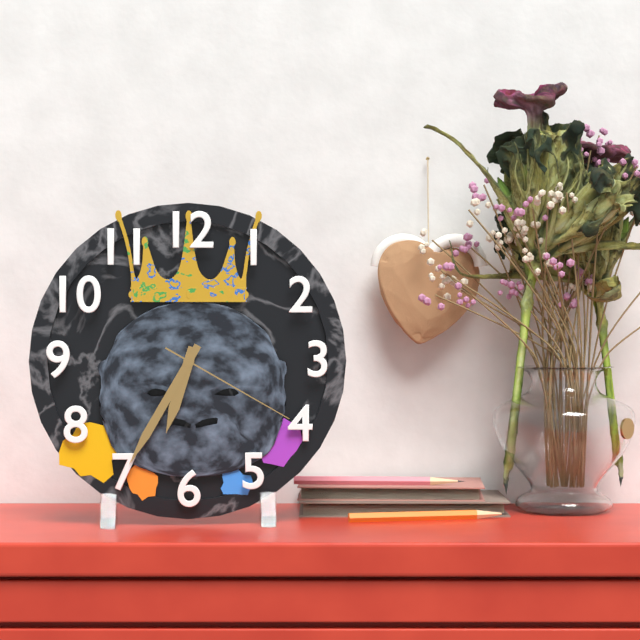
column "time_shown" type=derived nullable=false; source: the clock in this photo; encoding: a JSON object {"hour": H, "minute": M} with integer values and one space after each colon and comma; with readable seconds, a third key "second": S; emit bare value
{"hour": 6, "minute": 35, "second": 20}
